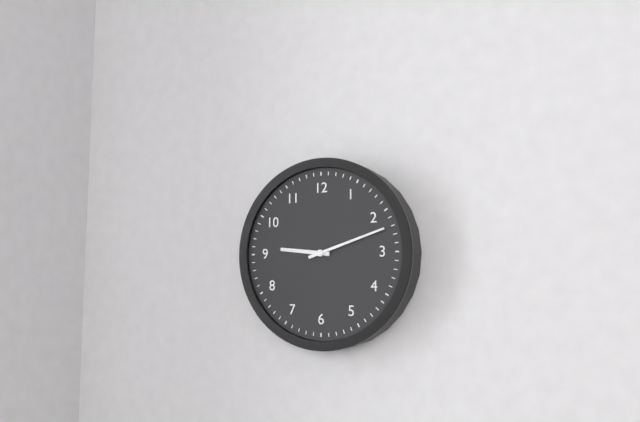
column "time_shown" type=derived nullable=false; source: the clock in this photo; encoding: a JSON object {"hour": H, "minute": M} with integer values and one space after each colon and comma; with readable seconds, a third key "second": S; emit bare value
{"hour": 9, "minute": 12}
